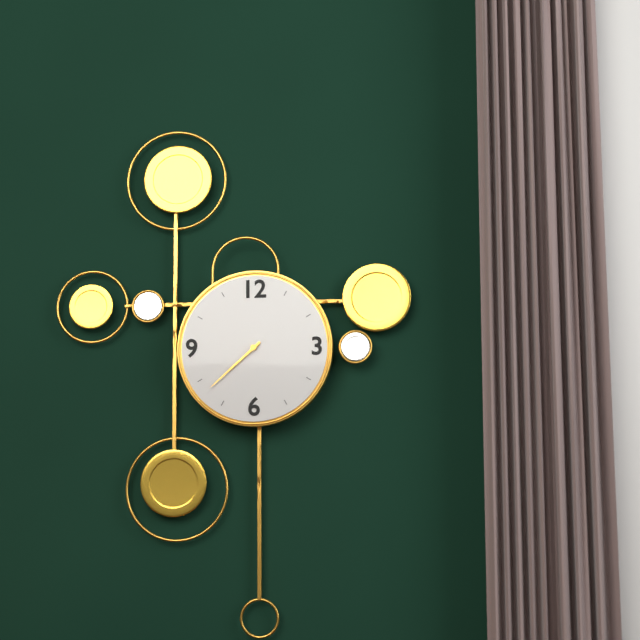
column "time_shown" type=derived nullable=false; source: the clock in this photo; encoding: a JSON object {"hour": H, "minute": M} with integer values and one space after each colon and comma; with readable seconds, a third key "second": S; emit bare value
{"hour": 7, "minute": 38}
